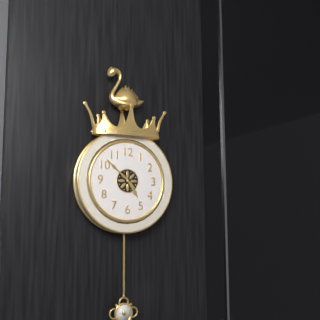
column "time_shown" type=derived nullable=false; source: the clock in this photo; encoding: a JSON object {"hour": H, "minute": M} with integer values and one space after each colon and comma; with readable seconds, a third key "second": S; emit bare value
{"hour": 4, "minute": 52}
